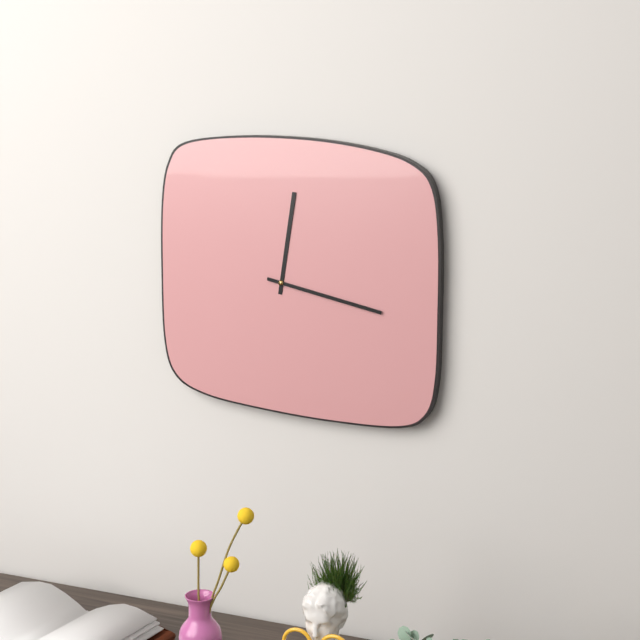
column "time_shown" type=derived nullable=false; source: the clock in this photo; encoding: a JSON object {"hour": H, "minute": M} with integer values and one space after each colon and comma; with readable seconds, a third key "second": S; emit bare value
{"hour": 12, "minute": 17}
